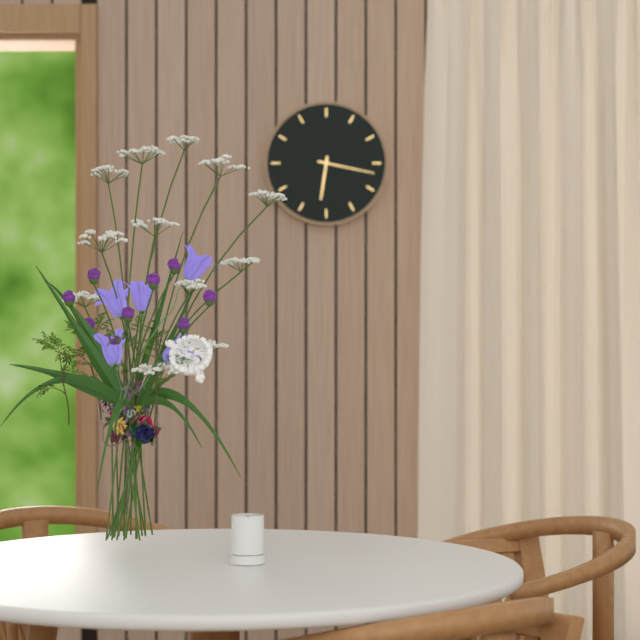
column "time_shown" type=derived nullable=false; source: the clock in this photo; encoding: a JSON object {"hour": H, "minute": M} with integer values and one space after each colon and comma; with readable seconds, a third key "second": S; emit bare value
{"hour": 6, "minute": 17}
